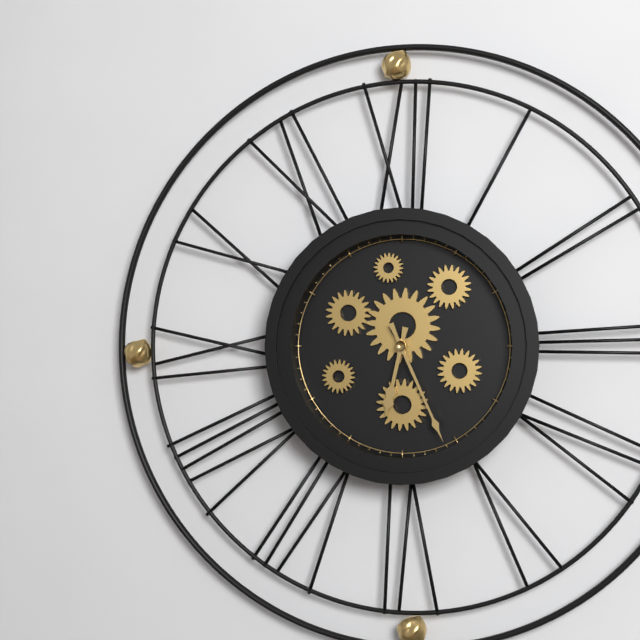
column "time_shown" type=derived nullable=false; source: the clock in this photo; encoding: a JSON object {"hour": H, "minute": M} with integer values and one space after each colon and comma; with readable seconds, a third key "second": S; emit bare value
{"hour": 6, "minute": 26}
